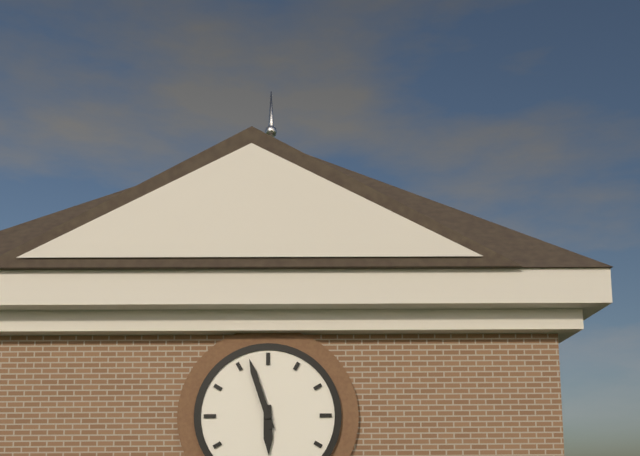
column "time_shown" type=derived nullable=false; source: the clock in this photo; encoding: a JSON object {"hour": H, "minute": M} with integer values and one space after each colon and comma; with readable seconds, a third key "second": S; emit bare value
{"hour": 5, "minute": 57}
